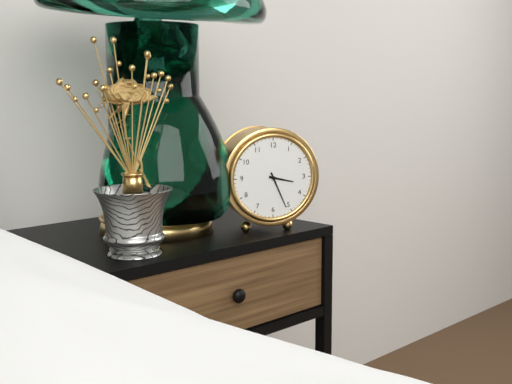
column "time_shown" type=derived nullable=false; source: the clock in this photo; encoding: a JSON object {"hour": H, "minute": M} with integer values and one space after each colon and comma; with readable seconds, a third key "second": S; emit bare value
{"hour": 3, "minute": 26}
